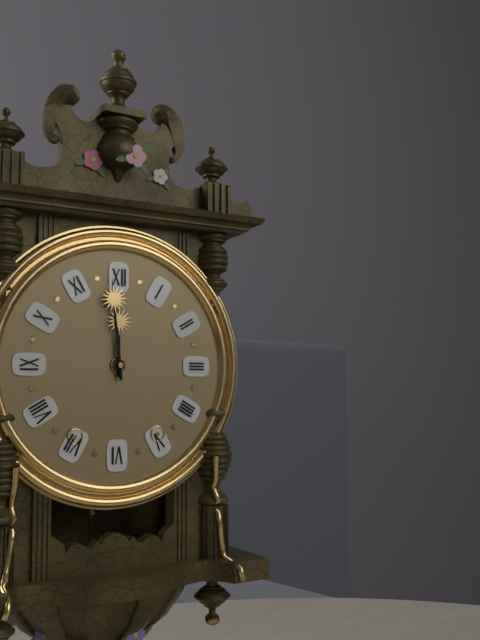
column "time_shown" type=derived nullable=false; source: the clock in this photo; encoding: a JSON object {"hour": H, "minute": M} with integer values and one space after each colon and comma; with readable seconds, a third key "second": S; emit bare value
{"hour": 11, "minute": 59}
